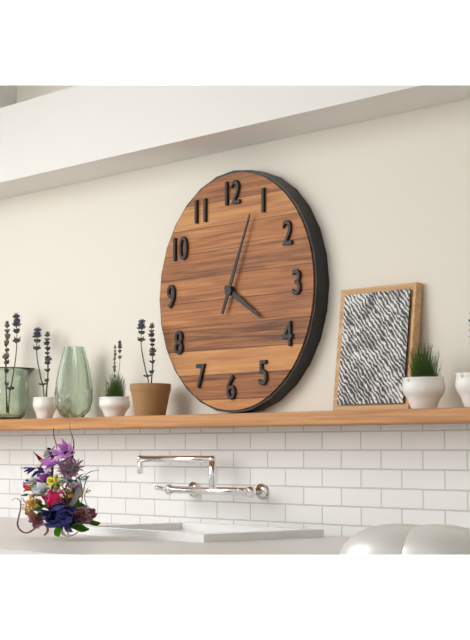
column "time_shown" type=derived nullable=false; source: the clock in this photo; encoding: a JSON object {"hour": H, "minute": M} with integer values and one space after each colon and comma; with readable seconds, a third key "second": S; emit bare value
{"hour": 4, "minute": 4}
